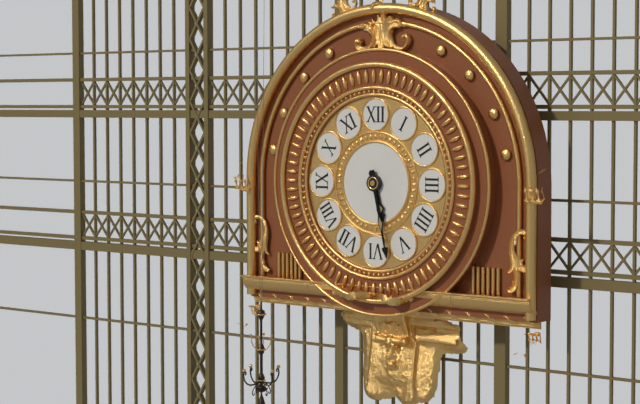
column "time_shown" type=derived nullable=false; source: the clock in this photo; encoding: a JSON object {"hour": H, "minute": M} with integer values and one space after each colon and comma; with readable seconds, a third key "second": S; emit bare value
{"hour": 5, "minute": 28}
